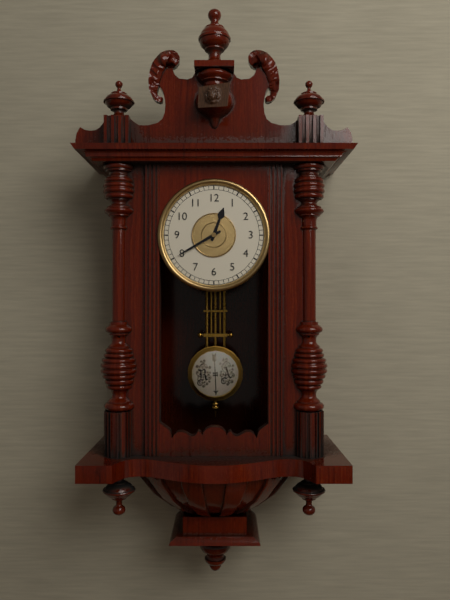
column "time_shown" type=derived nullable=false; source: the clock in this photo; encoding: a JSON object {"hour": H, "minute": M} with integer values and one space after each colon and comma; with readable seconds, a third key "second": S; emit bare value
{"hour": 12, "minute": 40}
